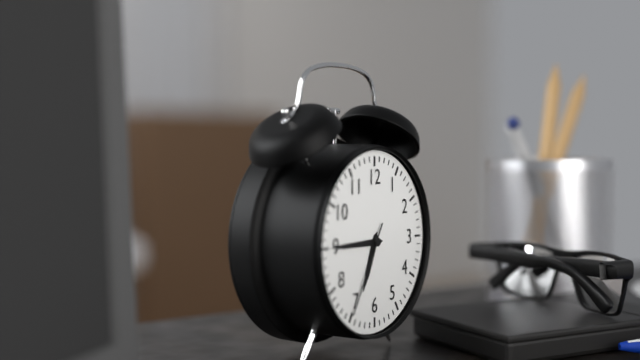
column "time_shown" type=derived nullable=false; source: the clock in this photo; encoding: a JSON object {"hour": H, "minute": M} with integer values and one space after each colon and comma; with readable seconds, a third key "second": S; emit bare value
{"hour": 6, "minute": 45, "second": 35}
